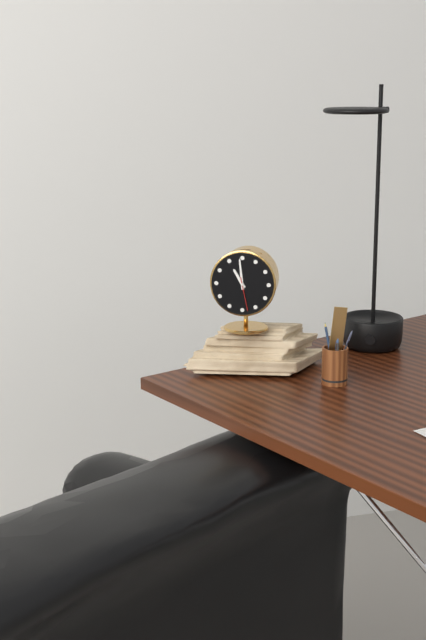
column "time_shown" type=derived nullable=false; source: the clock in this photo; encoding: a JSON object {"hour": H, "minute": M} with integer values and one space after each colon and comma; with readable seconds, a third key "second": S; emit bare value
{"hour": 10, "minute": 59}
